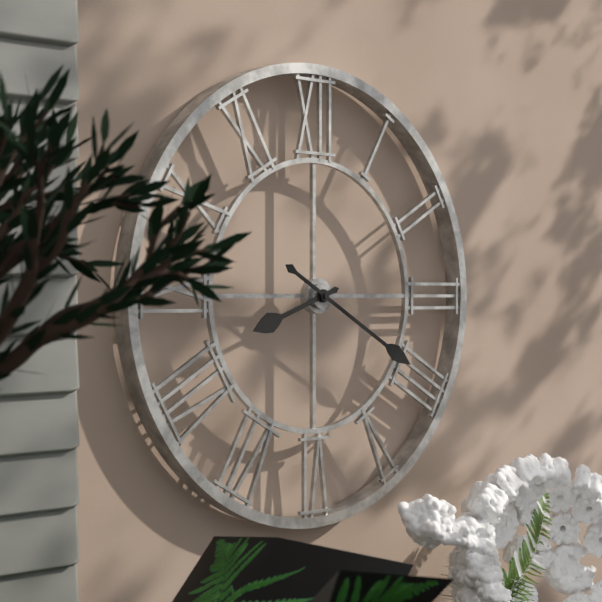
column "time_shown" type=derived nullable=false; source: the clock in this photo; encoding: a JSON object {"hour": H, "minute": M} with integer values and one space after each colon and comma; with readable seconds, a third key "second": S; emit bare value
{"hour": 8, "minute": 20}
